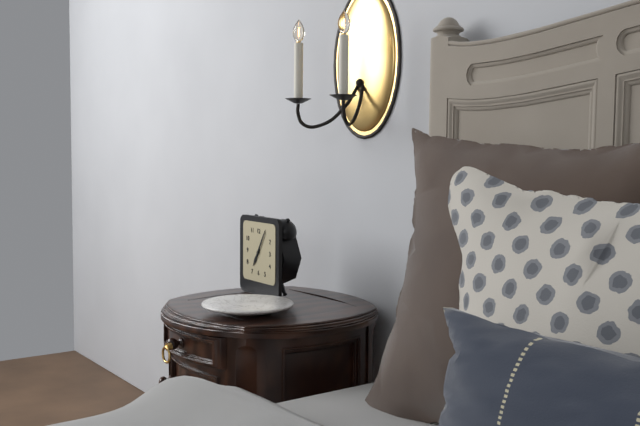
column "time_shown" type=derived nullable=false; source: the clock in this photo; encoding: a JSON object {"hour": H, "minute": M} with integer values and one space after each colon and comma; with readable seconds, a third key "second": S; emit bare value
{"hour": 7, "minute": 5}
